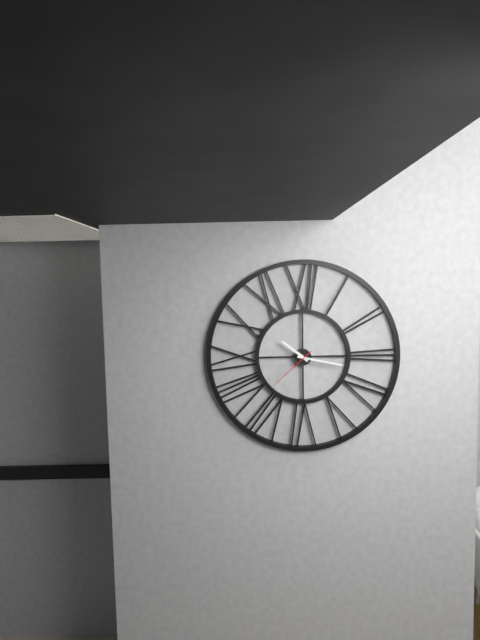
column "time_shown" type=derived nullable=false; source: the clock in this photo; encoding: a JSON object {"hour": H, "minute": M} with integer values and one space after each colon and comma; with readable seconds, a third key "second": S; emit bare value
{"hour": 10, "minute": 17, "second": 38}
